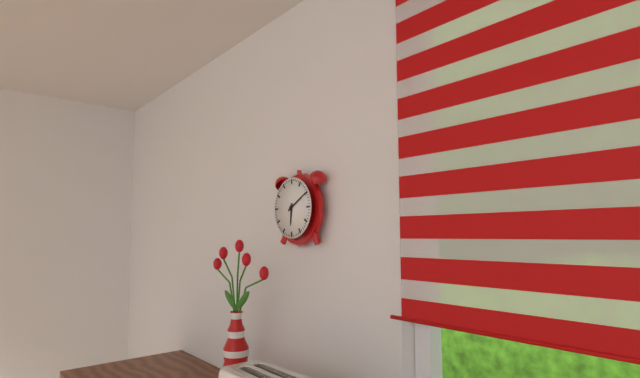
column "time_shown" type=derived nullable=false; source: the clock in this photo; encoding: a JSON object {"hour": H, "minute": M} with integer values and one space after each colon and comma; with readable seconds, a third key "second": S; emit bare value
{"hour": 6, "minute": 10}
